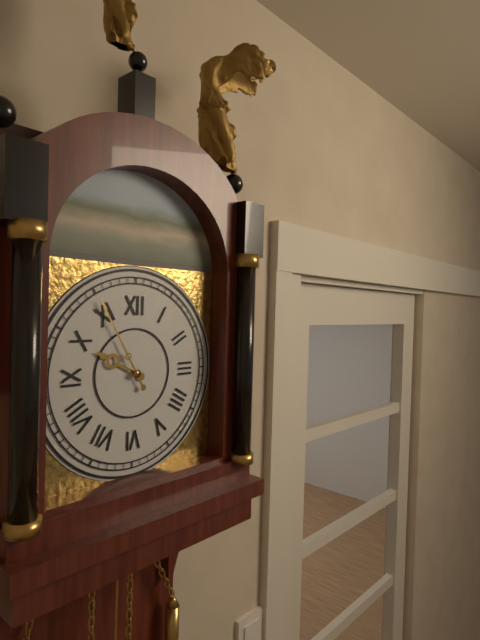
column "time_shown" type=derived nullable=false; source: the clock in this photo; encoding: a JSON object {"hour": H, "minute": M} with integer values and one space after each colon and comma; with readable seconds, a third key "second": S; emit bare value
{"hour": 9, "minute": 55}
